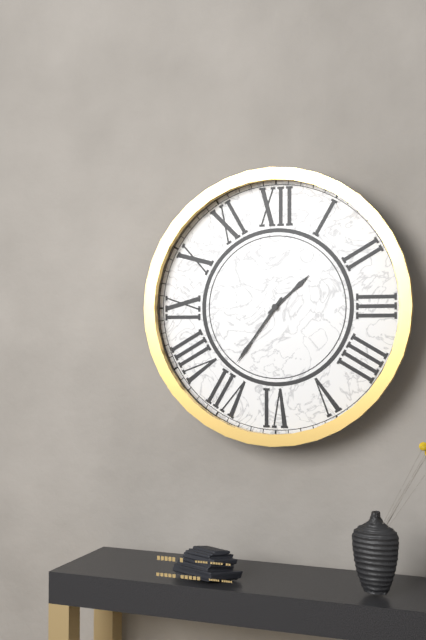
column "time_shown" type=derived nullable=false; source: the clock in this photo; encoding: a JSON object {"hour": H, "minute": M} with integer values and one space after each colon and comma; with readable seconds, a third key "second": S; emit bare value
{"hour": 1, "minute": 36}
